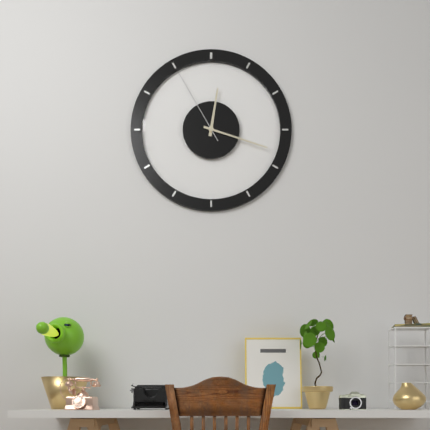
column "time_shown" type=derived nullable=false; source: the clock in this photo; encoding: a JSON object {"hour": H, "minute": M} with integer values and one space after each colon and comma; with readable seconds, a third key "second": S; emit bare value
{"hour": 12, "minute": 18, "second": 55}
